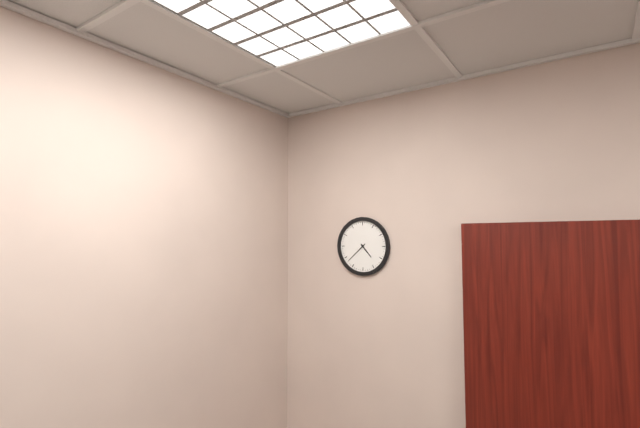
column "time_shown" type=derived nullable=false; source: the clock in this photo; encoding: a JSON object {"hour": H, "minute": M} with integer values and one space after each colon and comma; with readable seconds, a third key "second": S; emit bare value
{"hour": 4, "minute": 38}
